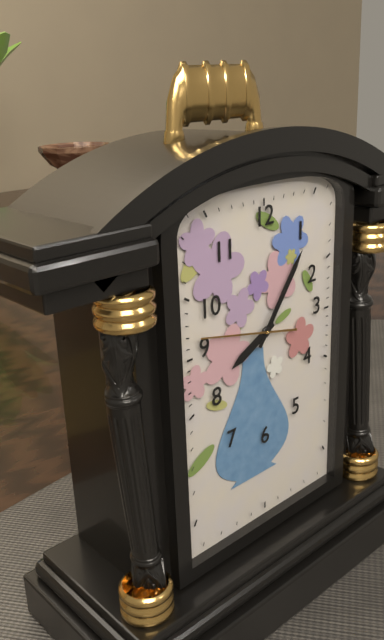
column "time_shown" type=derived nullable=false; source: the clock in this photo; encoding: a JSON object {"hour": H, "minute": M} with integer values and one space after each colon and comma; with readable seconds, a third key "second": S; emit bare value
{"hour": 8, "minute": 6, "second": 47}
